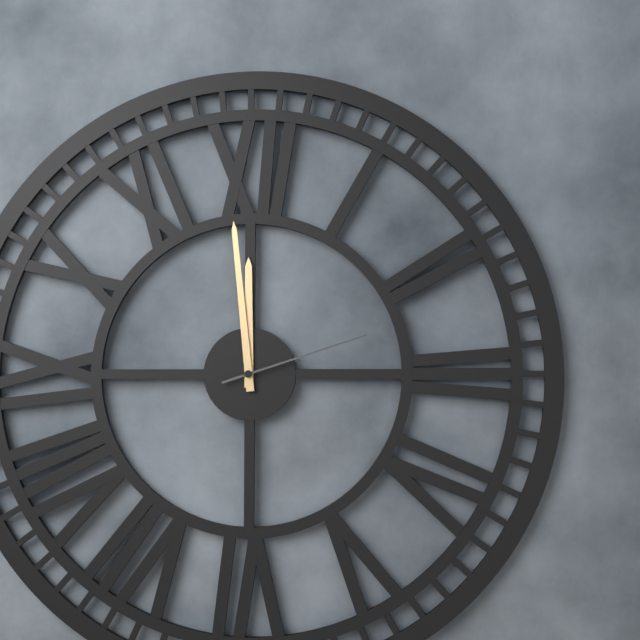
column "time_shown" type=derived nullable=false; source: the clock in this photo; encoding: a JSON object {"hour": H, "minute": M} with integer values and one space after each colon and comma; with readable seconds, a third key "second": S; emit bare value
{"hour": 11, "minute": 59, "second": 12}
